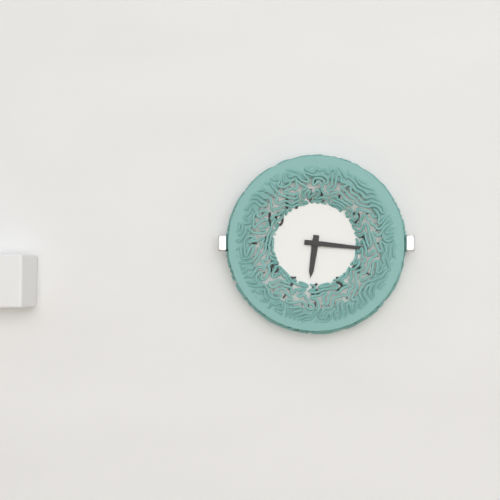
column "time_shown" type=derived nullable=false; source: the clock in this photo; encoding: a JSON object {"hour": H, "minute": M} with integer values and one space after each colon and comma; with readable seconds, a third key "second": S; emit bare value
{"hour": 6, "minute": 16}
